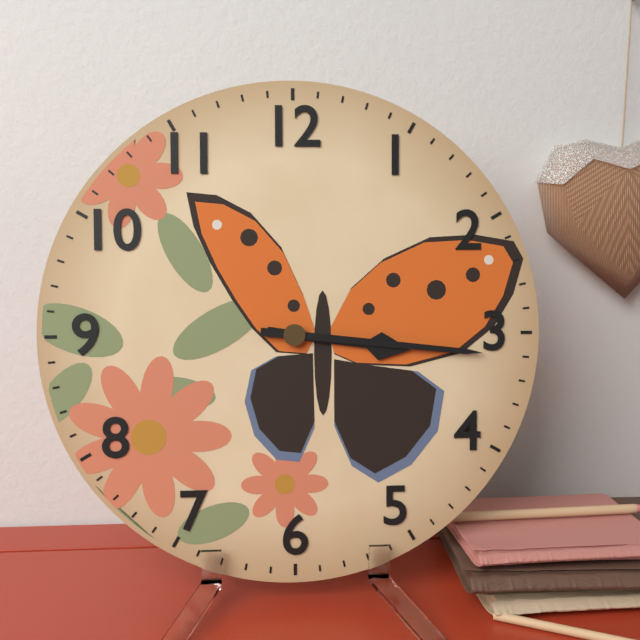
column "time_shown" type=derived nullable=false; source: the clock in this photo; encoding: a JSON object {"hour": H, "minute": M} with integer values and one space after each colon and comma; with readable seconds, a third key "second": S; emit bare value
{"hour": 3, "minute": 16}
